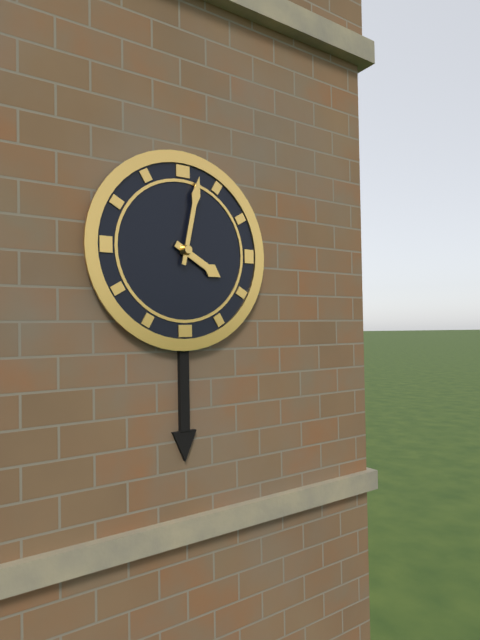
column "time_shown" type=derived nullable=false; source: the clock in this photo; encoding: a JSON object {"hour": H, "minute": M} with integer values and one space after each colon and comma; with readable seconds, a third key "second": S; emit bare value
{"hour": 4, "minute": 2}
